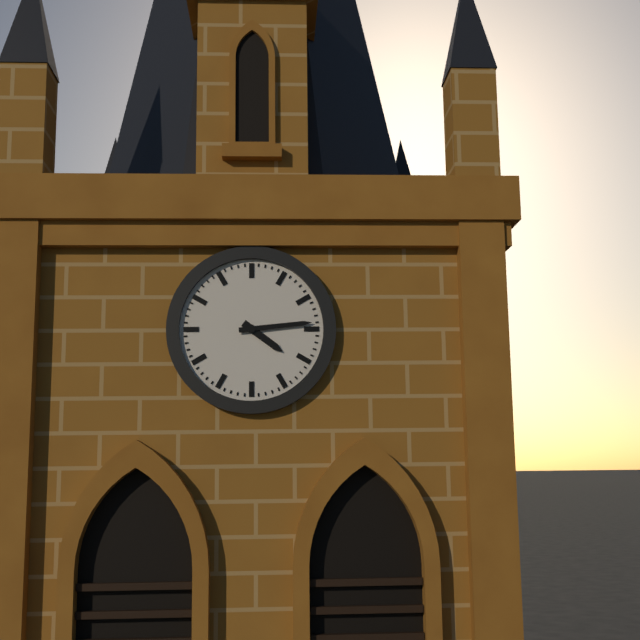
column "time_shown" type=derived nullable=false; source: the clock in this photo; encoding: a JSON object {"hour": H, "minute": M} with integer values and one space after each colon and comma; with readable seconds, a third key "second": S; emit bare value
{"hour": 4, "minute": 14}
